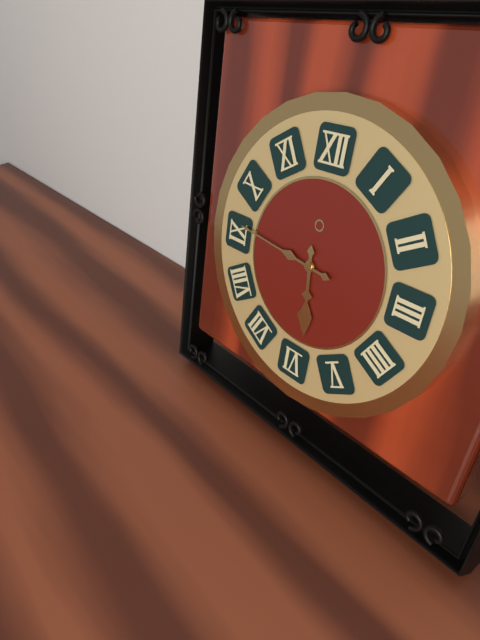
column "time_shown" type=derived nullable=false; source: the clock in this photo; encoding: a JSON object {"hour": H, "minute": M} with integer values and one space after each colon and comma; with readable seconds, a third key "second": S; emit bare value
{"hour": 5, "minute": 46}
